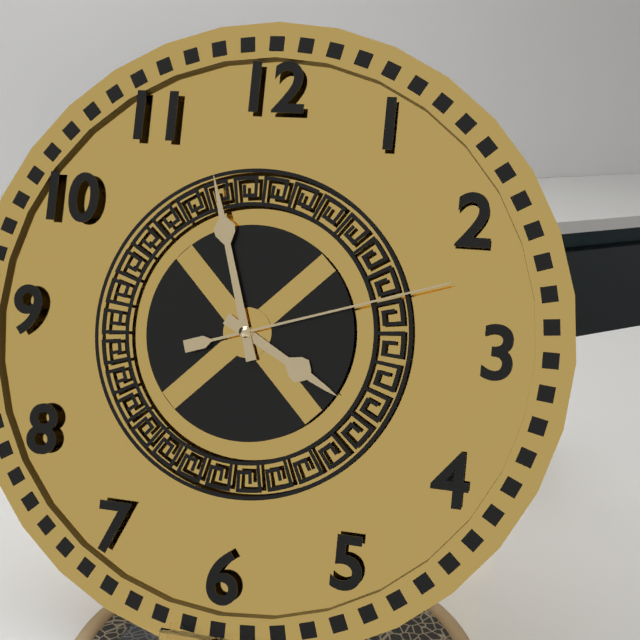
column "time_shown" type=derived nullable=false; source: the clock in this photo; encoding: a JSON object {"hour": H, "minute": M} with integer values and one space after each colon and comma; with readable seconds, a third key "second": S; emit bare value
{"hour": 3, "minute": 57, "second": 12}
